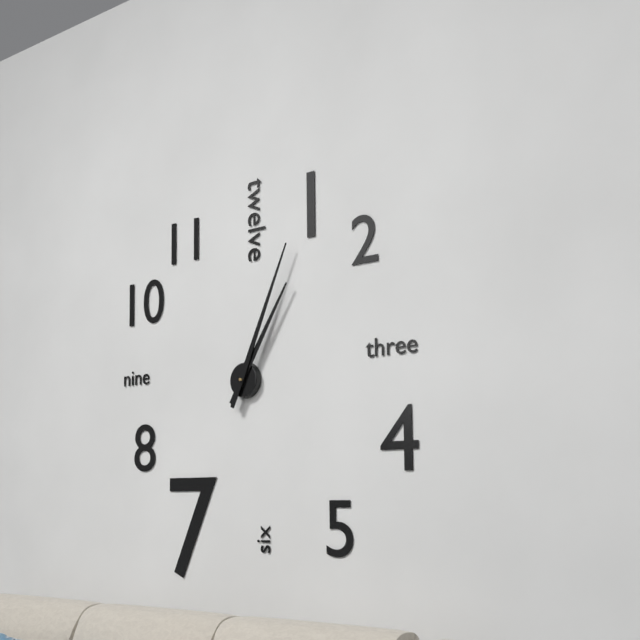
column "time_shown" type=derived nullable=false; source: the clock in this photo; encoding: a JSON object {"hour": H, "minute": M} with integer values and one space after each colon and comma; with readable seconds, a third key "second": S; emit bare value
{"hour": 1, "minute": 4}
